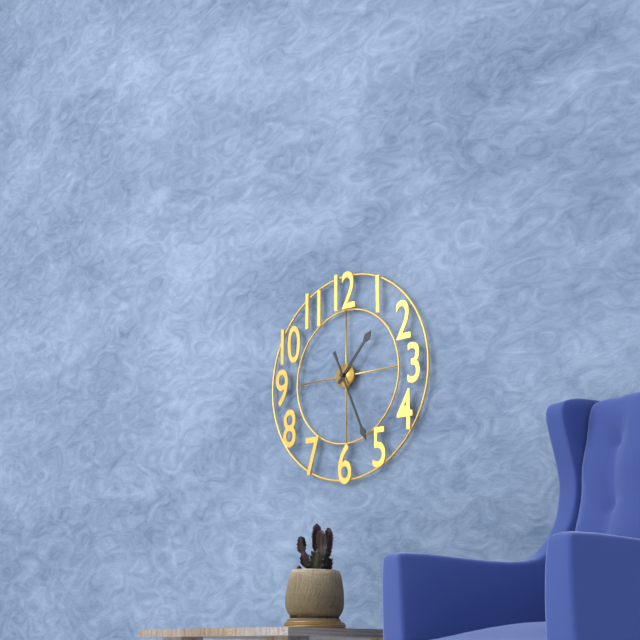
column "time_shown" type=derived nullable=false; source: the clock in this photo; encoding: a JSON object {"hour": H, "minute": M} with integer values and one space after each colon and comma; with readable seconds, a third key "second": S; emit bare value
{"hour": 1, "minute": 26}
